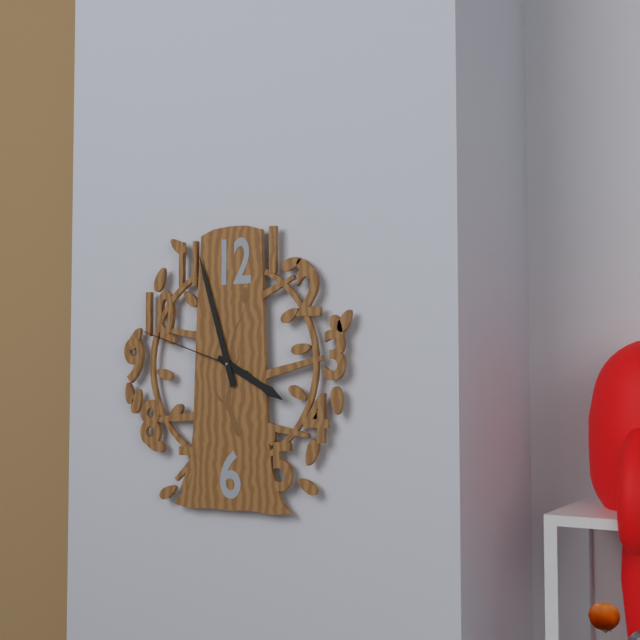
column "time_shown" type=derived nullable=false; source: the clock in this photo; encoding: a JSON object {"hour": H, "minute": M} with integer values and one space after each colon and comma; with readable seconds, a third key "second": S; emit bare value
{"hour": 3, "minute": 57, "second": 48}
